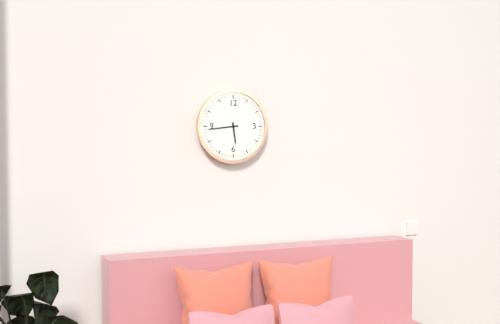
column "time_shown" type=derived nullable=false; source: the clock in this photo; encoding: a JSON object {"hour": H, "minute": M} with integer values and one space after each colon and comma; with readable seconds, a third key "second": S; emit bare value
{"hour": 5, "minute": 44}
